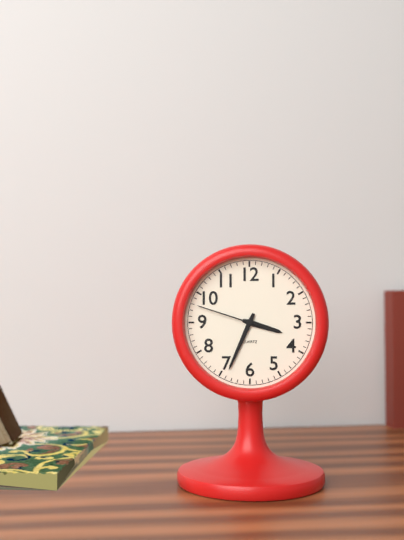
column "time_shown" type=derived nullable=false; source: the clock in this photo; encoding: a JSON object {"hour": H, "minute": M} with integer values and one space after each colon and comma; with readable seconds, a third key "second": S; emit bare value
{"hour": 3, "minute": 34, "second": 48}
